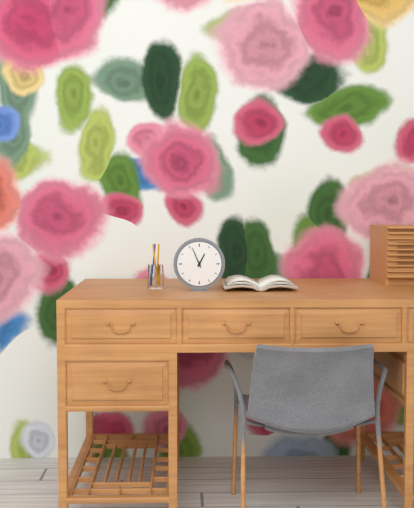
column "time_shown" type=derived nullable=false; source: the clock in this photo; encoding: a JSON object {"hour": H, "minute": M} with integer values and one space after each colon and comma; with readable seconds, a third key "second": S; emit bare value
{"hour": 12, "minute": 56}
